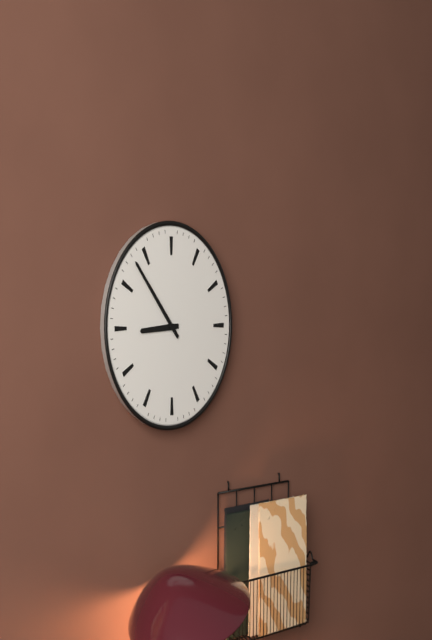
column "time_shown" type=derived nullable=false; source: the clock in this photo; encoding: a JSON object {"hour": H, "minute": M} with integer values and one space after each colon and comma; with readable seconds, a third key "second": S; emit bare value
{"hour": 8, "minute": 53}
